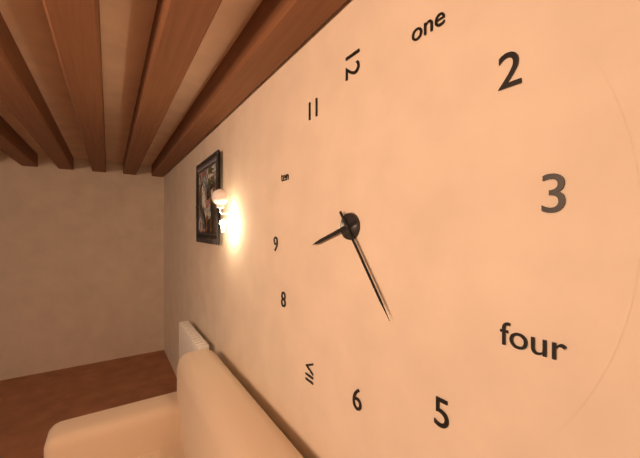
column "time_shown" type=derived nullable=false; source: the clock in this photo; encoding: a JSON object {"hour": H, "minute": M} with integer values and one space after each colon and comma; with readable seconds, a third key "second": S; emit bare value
{"hour": 8, "minute": 24}
